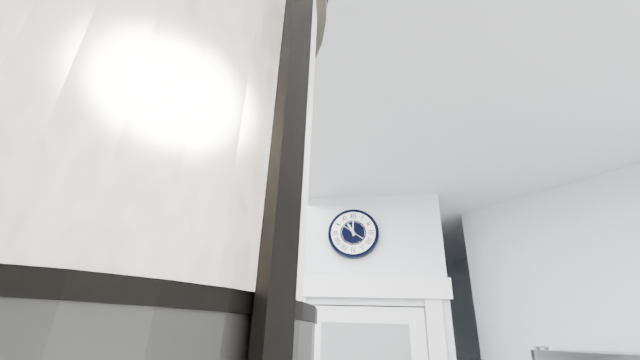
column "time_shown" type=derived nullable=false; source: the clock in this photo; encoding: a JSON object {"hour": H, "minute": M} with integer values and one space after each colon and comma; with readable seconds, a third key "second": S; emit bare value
{"hour": 11, "minute": 0}
